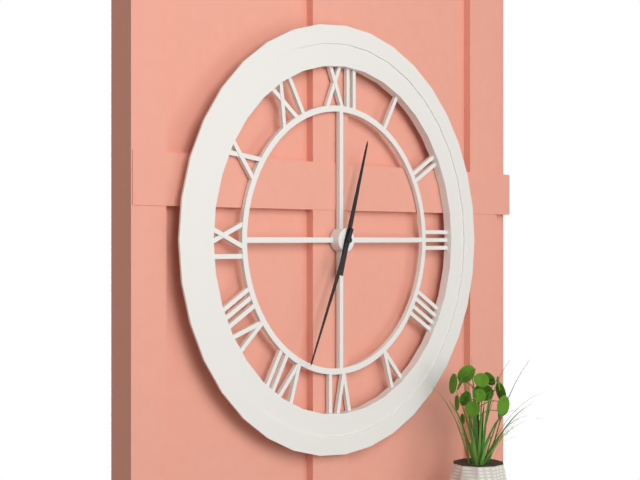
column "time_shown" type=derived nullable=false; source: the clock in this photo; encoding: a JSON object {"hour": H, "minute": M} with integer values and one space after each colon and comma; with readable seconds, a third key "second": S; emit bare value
{"hour": 12, "minute": 34}
